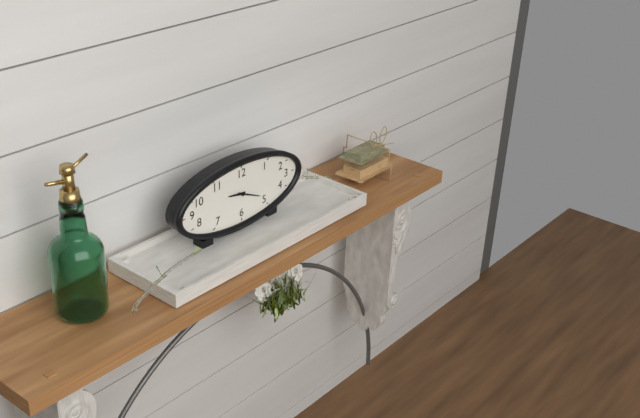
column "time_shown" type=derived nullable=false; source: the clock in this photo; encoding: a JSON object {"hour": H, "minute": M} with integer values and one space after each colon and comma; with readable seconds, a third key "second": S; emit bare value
{"hour": 9, "minute": 19}
